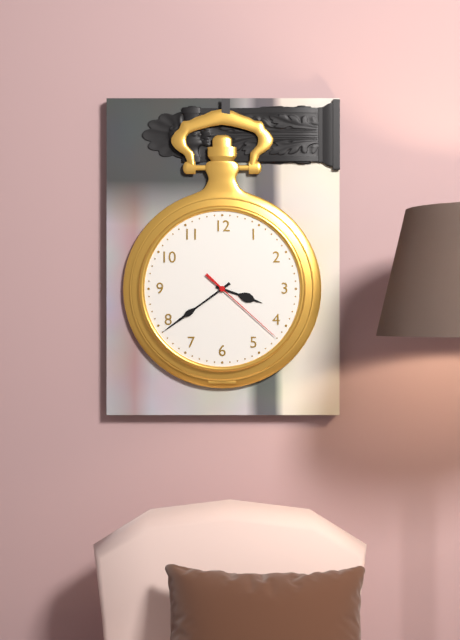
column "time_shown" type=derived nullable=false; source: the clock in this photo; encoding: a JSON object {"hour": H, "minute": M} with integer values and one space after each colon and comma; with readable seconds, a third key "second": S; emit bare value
{"hour": 3, "minute": 39, "second": 22}
